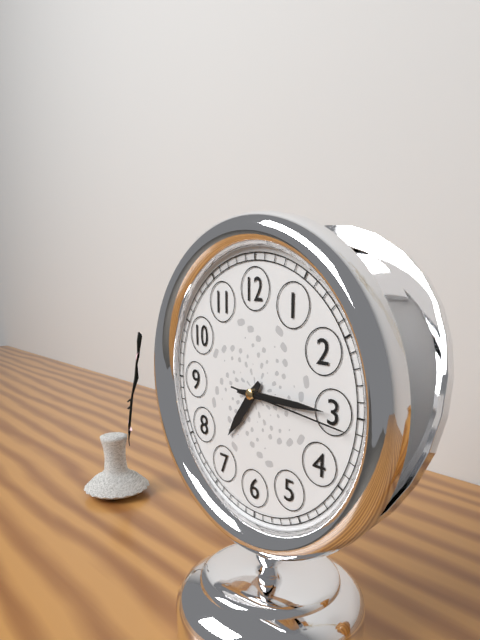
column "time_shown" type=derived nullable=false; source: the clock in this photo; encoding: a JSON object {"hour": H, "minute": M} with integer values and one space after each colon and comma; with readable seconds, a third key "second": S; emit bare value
{"hour": 7, "minute": 15, "second": 16}
